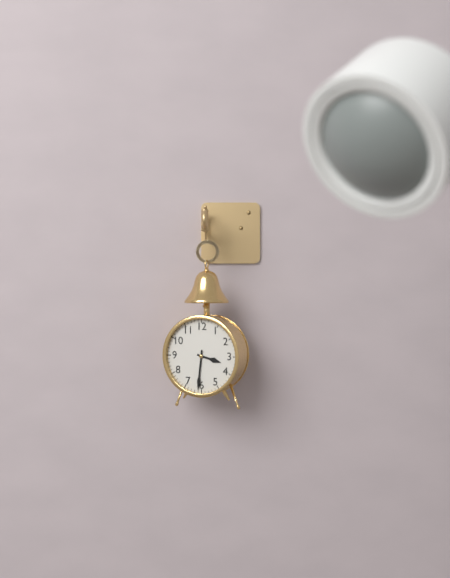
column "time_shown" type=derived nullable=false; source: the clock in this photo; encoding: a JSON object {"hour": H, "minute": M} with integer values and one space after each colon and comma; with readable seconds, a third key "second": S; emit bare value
{"hour": 3, "minute": 31}
